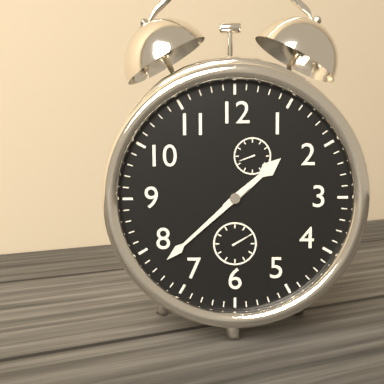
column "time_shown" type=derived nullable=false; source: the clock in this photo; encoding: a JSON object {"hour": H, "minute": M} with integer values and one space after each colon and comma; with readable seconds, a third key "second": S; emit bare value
{"hour": 1, "minute": 38}
